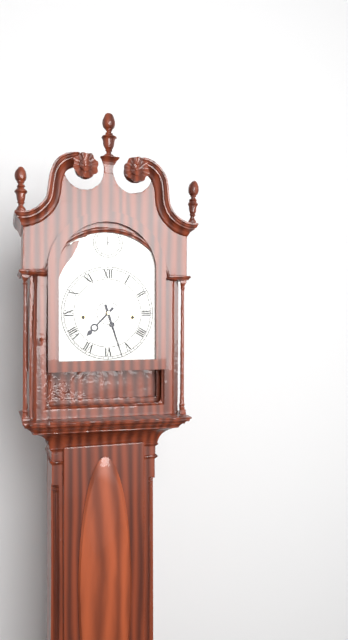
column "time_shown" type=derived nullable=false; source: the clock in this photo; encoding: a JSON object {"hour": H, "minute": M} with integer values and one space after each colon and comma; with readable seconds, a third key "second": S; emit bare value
{"hour": 7, "minute": 27}
